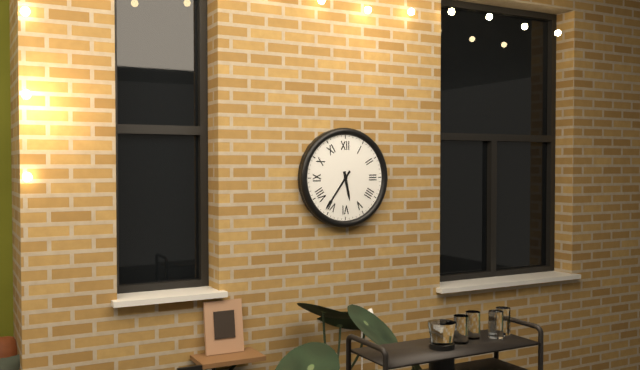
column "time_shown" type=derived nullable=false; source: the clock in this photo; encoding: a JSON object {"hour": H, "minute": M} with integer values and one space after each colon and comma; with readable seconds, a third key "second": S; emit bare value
{"hour": 5, "minute": 36}
